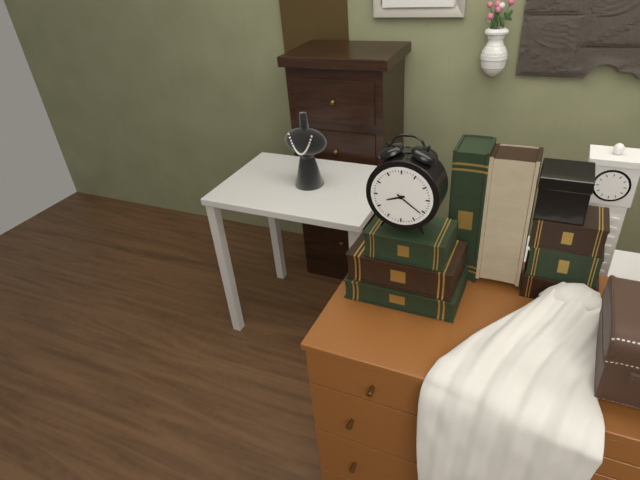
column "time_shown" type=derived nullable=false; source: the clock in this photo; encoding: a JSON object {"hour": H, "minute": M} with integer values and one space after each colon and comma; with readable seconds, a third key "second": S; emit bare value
{"hour": 8, "minute": 21}
